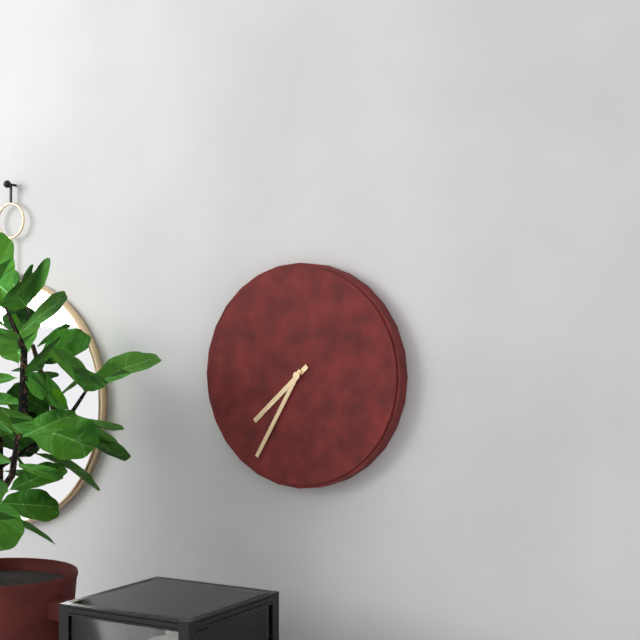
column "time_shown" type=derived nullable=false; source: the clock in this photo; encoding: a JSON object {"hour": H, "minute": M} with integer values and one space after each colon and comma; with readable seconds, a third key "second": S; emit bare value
{"hour": 7, "minute": 35}
